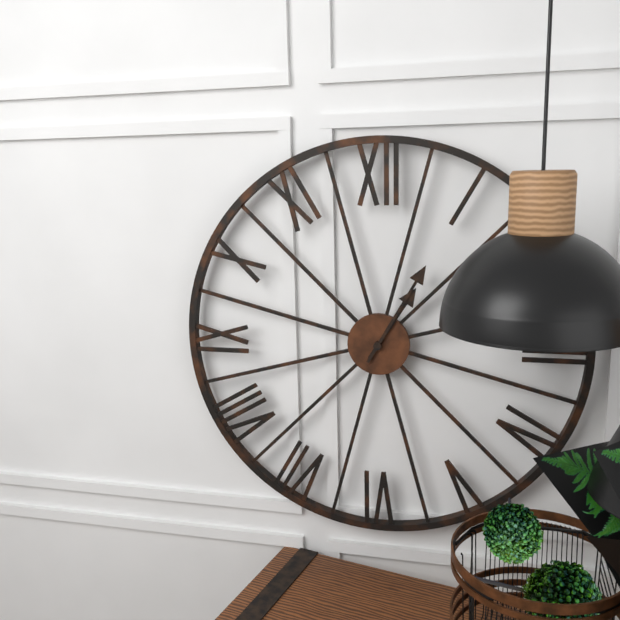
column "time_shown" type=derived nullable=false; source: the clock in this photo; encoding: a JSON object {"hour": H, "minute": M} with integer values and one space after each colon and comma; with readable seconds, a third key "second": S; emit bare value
{"hour": 1, "minute": 5}
